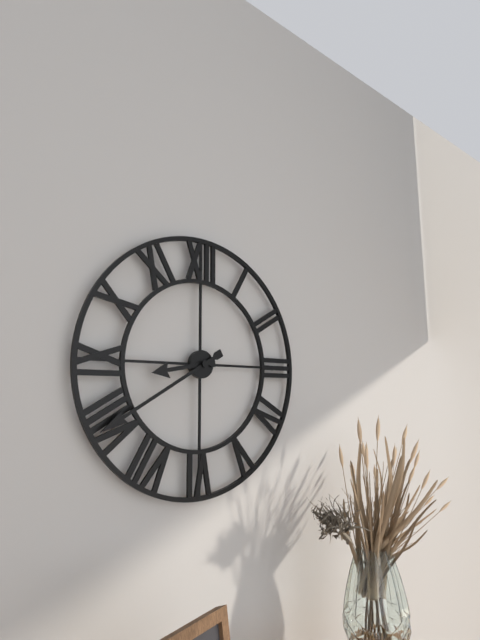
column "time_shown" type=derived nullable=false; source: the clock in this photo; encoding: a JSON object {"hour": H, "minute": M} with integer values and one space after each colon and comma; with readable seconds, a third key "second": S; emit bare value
{"hour": 8, "minute": 40}
